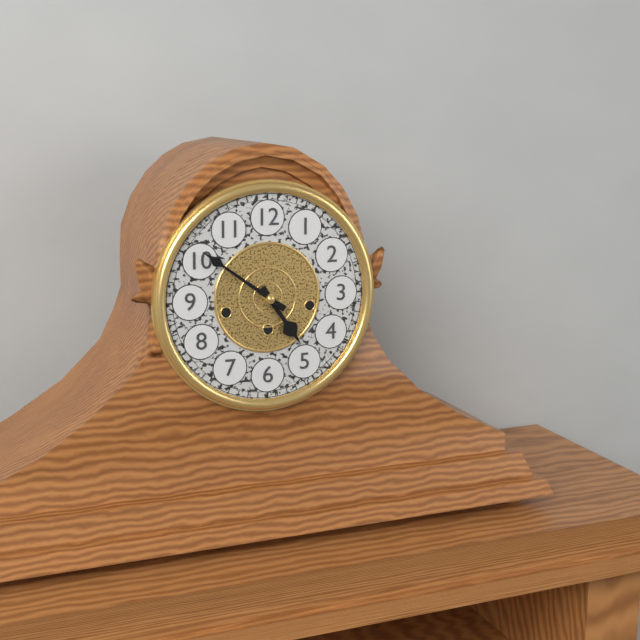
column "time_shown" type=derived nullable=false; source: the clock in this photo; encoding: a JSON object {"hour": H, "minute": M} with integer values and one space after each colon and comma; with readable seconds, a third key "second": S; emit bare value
{"hour": 4, "minute": 51}
